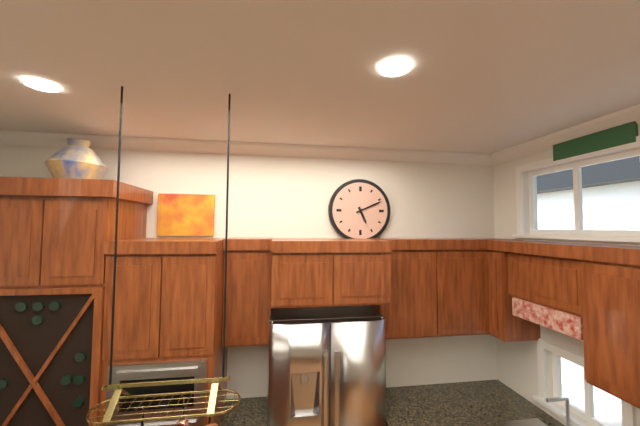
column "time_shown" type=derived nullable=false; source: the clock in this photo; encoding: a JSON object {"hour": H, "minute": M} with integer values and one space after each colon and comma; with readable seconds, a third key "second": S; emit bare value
{"hour": 5, "minute": 11}
